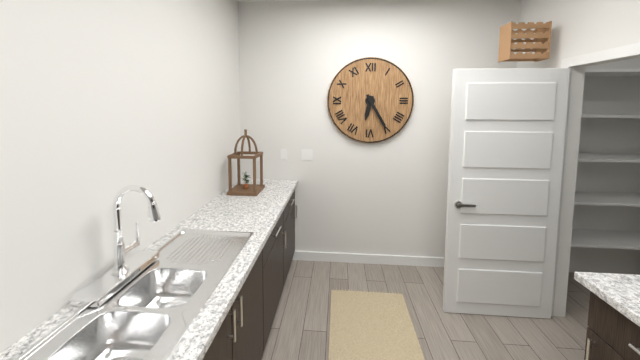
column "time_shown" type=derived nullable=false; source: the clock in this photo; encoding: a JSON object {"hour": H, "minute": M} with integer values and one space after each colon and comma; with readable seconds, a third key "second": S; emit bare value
{"hour": 6, "minute": 25}
